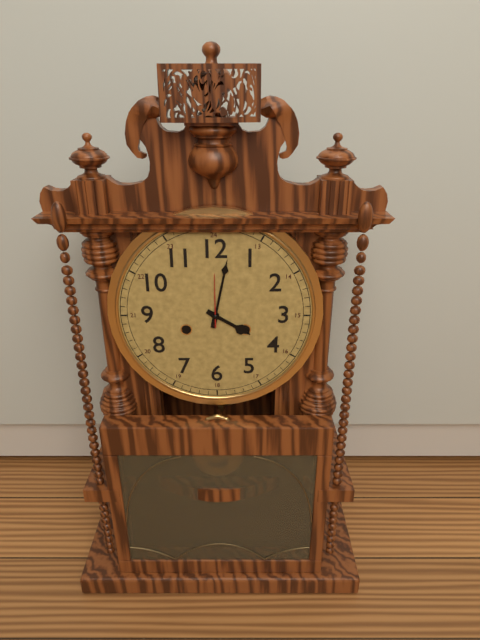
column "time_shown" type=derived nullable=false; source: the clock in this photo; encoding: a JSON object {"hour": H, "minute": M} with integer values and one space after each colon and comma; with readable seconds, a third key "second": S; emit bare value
{"hour": 4, "minute": 2, "second": 0}
